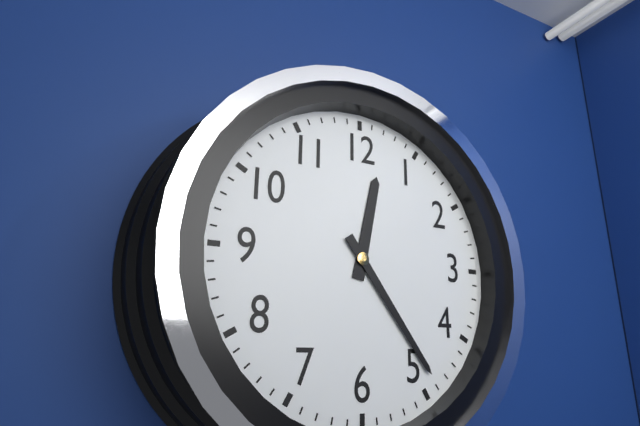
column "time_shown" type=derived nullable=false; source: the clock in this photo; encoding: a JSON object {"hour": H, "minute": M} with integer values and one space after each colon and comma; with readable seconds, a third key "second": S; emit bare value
{"hour": 12, "minute": 24}
